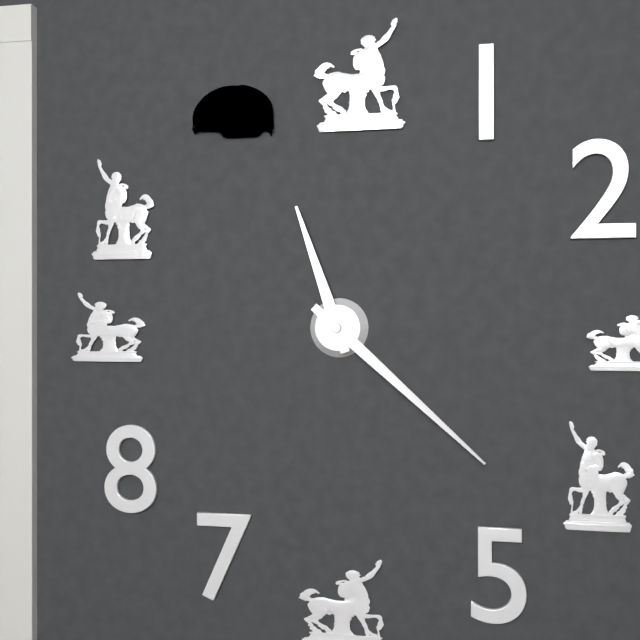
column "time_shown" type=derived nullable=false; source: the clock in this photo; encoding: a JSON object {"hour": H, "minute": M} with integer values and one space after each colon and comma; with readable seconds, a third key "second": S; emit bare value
{"hour": 11, "minute": 22}
